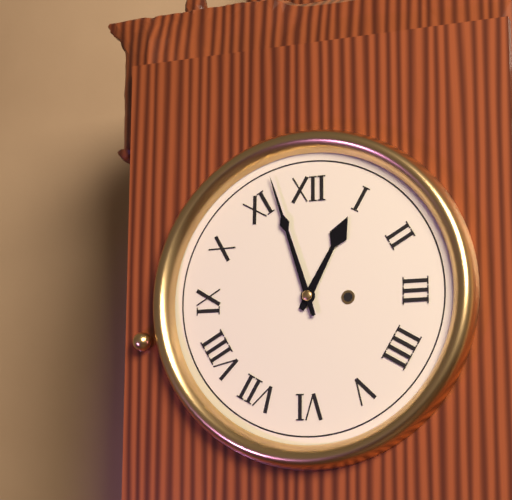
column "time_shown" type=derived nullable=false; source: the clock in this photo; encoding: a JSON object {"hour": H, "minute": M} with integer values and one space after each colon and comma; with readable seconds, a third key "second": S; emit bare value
{"hour": 12, "minute": 57}
